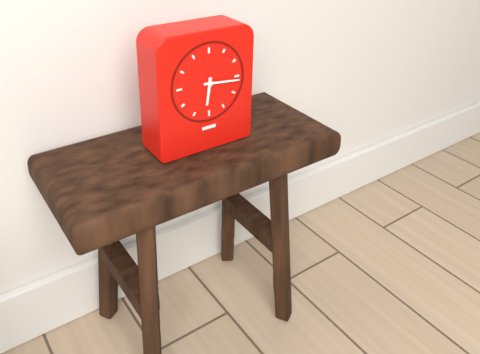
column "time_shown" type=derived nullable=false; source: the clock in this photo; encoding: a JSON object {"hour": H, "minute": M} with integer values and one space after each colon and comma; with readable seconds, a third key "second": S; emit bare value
{"hour": 6, "minute": 16}
